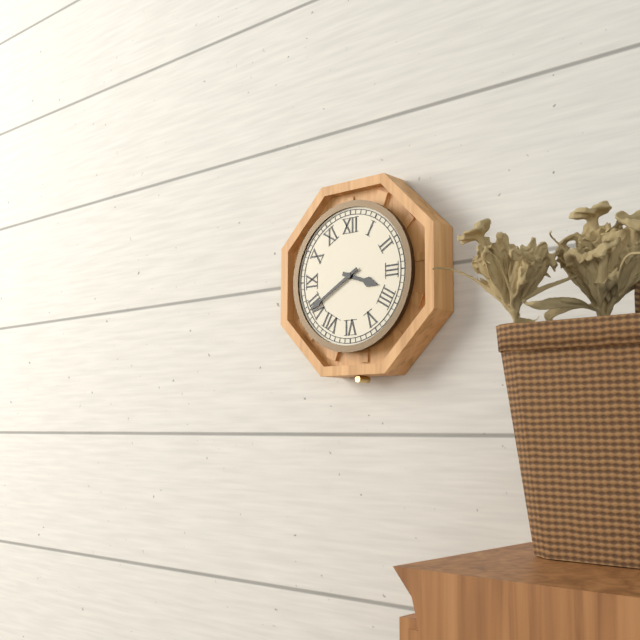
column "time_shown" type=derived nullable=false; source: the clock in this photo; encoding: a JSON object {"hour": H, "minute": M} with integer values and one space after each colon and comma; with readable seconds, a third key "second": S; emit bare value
{"hour": 3, "minute": 40}
